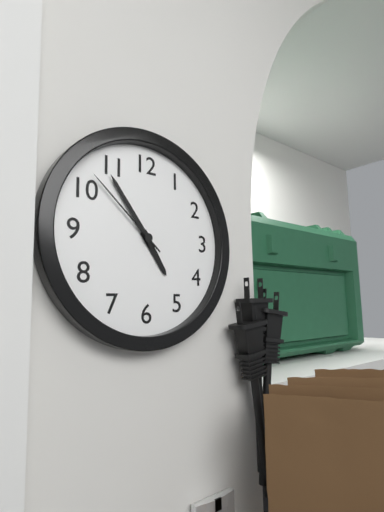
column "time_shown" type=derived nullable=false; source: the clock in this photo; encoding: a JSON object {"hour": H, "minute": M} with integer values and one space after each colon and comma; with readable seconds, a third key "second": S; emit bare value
{"hour": 4, "minute": 54, "second": 52}
